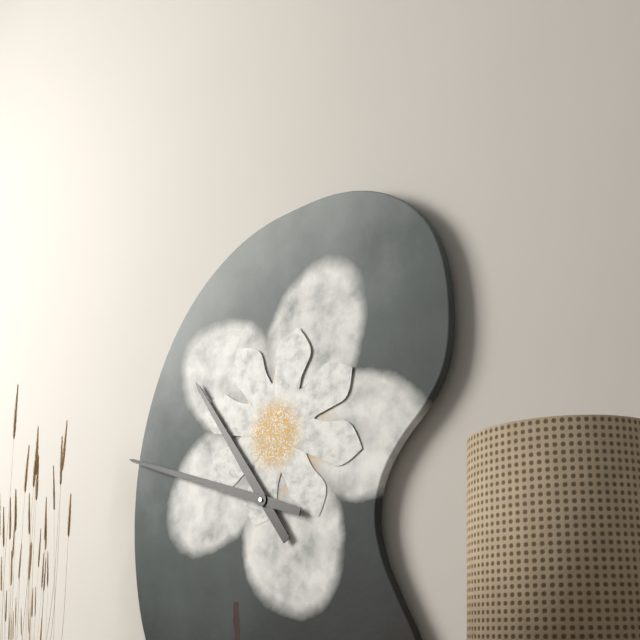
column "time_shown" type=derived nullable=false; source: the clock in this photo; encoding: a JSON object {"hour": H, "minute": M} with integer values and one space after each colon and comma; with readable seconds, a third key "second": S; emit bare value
{"hour": 10, "minute": 48}
